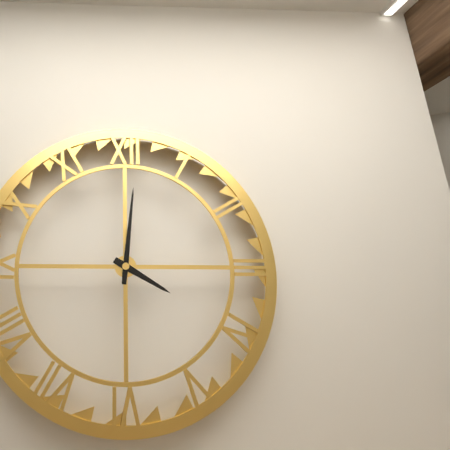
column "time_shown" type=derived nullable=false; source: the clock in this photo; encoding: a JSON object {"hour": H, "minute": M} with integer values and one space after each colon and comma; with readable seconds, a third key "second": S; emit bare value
{"hour": 4, "minute": 1}
